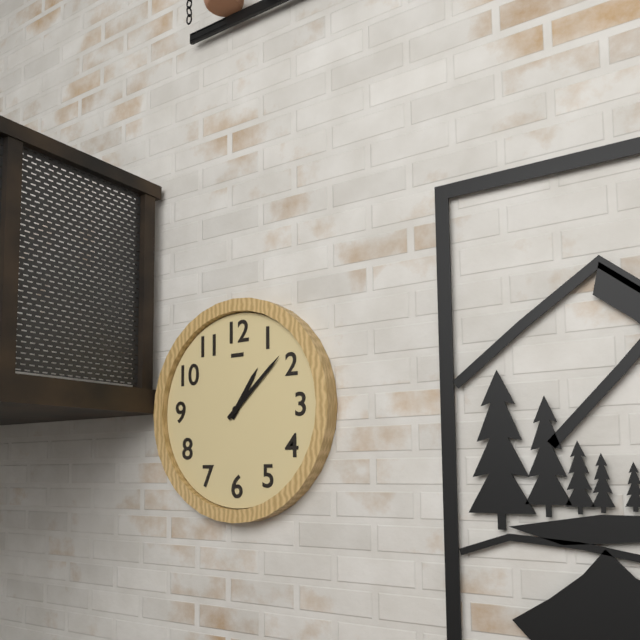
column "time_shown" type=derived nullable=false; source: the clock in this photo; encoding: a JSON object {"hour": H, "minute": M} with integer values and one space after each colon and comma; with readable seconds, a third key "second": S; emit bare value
{"hour": 1, "minute": 8}
